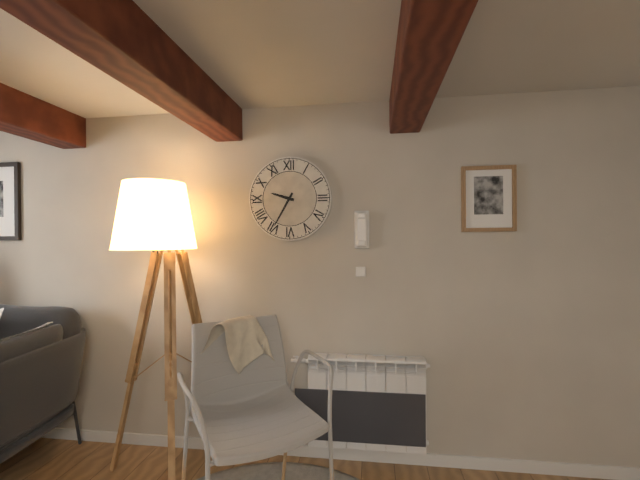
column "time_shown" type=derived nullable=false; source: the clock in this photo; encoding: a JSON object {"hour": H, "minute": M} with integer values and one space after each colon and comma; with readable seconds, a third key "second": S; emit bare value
{"hour": 9, "minute": 35}
